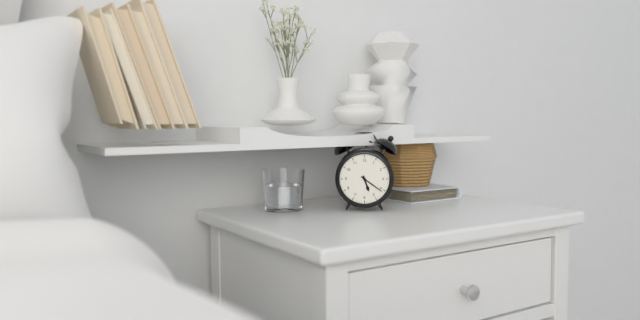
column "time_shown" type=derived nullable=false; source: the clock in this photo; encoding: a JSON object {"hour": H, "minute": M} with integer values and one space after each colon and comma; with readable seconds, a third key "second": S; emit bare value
{"hour": 5, "minute": 21}
